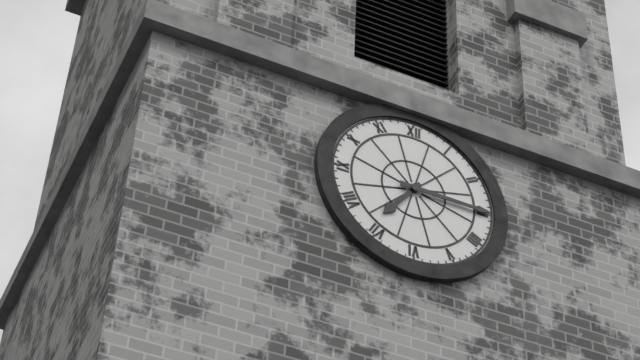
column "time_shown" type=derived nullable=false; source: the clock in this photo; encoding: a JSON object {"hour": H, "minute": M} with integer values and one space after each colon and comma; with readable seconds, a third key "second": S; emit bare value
{"hour": 7, "minute": 15}
